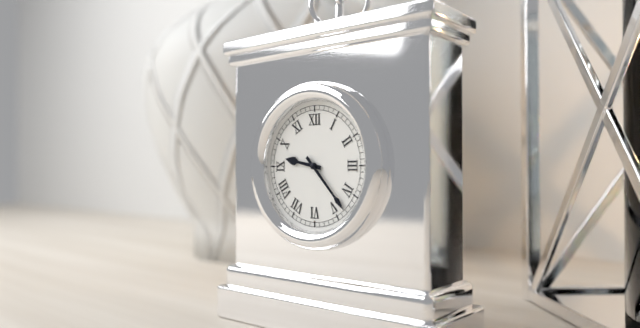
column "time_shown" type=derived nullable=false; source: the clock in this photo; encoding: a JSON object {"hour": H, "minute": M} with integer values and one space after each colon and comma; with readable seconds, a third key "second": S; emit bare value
{"hour": 9, "minute": 23}
